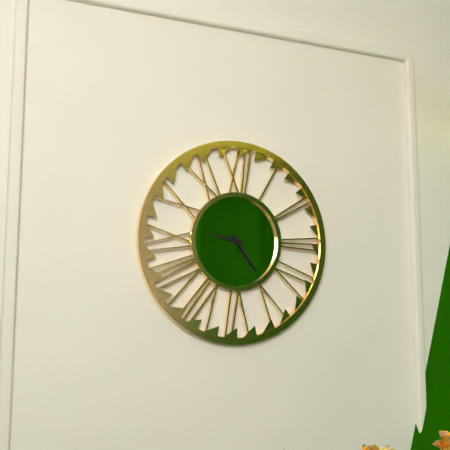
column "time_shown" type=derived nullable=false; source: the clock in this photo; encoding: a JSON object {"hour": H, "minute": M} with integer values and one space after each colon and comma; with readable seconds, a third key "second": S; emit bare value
{"hour": 9, "minute": 24}
